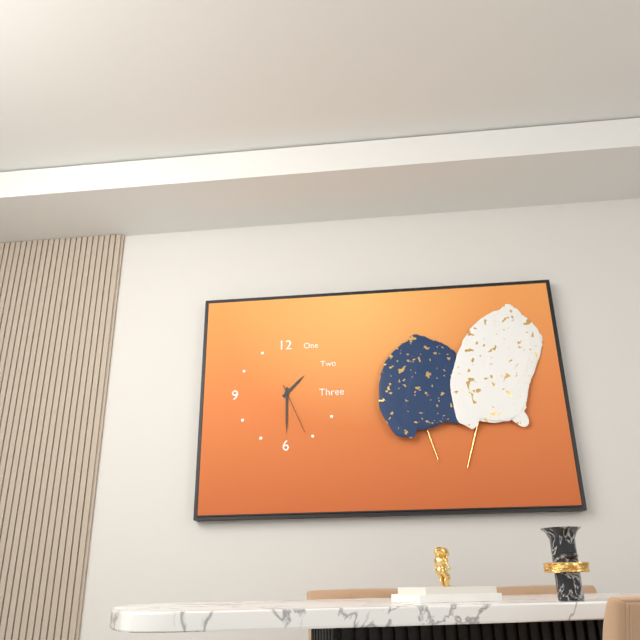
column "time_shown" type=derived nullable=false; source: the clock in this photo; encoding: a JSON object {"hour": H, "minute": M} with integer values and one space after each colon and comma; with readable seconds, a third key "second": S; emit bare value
{"hour": 1, "minute": 30, "second": 26}
